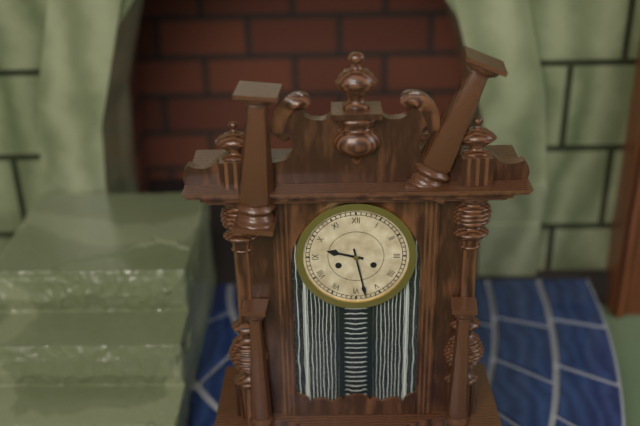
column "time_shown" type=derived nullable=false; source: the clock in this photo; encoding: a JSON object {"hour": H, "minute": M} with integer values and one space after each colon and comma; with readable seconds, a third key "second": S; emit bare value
{"hour": 9, "minute": 28}
